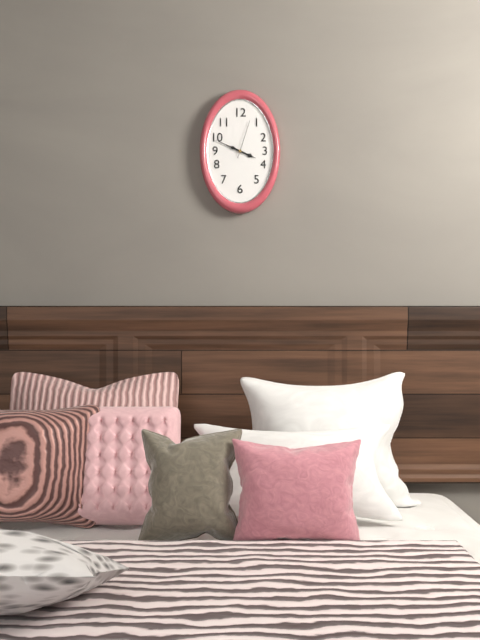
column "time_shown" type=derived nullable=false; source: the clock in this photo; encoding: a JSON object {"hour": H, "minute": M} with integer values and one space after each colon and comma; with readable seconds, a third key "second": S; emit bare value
{"hour": 3, "minute": 49}
